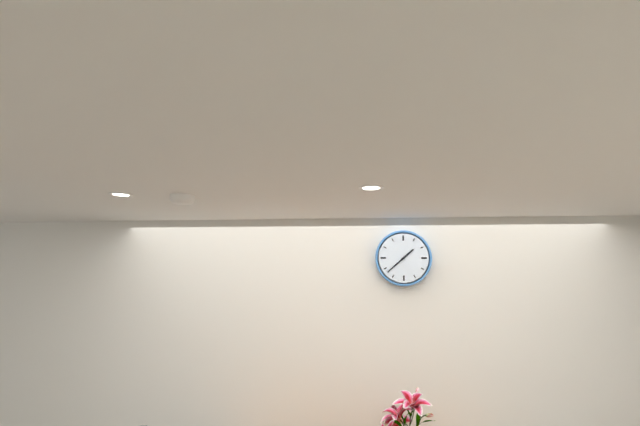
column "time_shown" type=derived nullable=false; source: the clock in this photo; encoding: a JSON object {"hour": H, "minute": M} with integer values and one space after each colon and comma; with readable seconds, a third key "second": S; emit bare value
{"hour": 1, "minute": 38}
